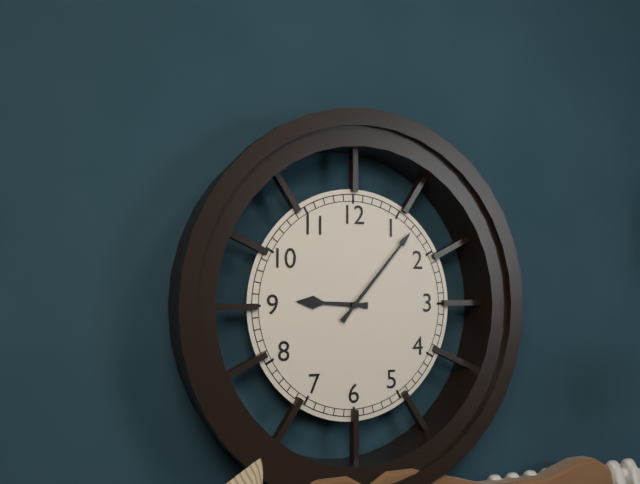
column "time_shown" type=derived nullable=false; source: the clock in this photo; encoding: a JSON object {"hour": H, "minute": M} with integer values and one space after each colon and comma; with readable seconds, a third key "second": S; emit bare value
{"hour": 9, "minute": 7}
